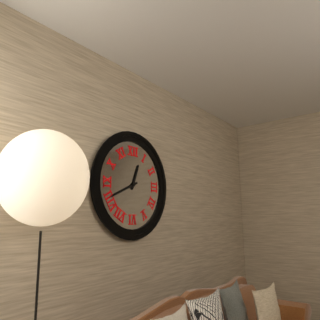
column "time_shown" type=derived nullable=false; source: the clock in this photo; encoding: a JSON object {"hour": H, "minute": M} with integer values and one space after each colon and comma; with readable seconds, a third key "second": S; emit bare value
{"hour": 12, "minute": 41}
